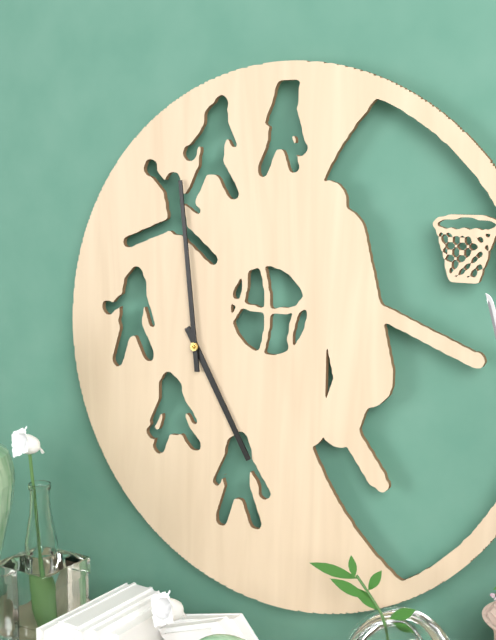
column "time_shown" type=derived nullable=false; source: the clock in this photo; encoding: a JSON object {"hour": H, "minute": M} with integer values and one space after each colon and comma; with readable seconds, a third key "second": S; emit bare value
{"hour": 4, "minute": 59}
